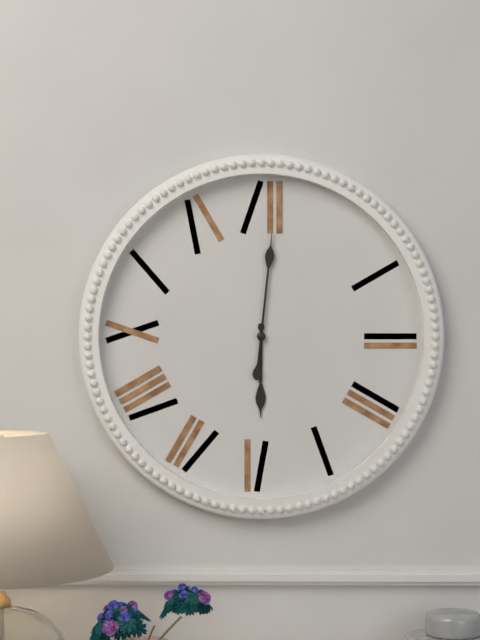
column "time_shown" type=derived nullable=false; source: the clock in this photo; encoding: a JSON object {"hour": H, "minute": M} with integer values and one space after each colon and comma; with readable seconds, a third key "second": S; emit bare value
{"hour": 6, "minute": 1}
